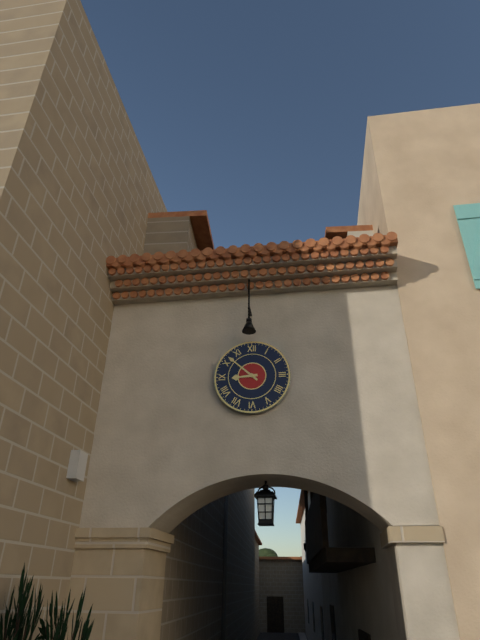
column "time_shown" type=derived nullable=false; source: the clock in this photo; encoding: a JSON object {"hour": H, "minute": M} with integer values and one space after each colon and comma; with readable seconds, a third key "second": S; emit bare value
{"hour": 8, "minute": 52}
